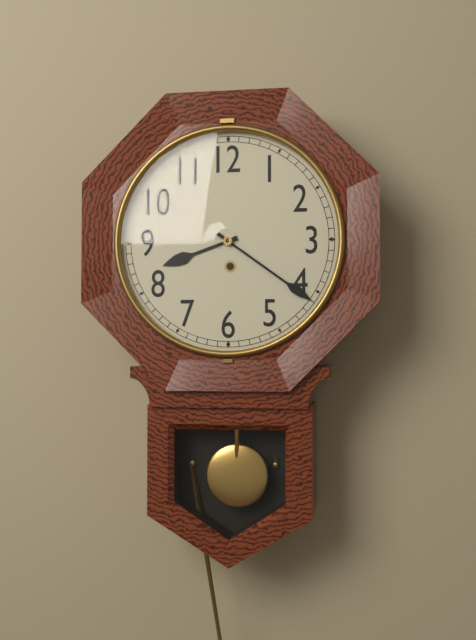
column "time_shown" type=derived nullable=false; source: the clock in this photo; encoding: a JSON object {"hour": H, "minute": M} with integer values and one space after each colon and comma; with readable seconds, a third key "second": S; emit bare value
{"hour": 8, "minute": 21}
